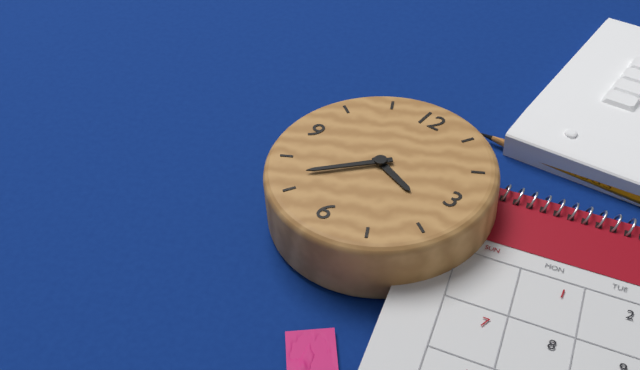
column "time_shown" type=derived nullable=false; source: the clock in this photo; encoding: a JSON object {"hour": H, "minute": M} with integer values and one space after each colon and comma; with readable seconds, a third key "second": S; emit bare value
{"hour": 3, "minute": 37}
